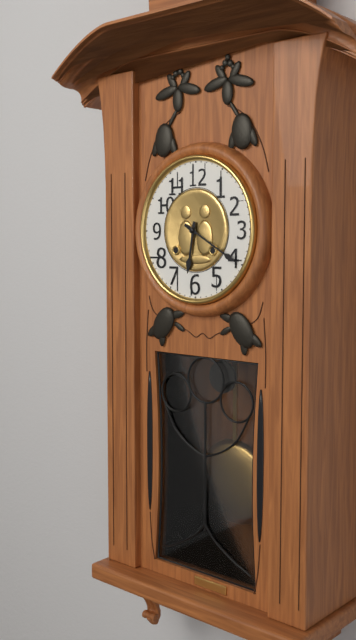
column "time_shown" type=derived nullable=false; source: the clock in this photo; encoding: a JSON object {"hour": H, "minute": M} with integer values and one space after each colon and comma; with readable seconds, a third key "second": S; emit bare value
{"hour": 6, "minute": 20}
